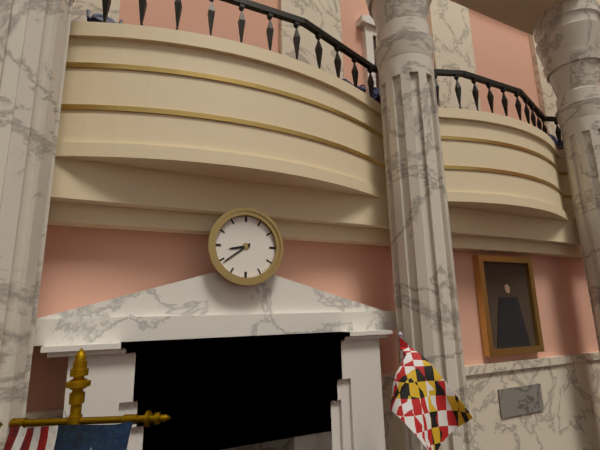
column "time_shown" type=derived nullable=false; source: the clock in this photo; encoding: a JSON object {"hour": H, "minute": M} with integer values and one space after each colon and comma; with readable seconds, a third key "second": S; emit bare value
{"hour": 8, "minute": 39}
